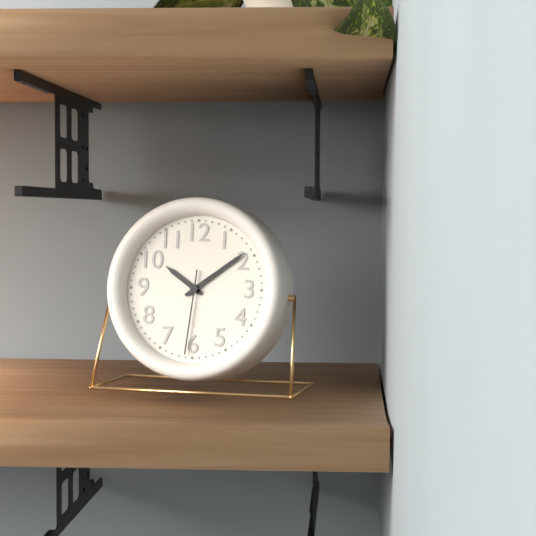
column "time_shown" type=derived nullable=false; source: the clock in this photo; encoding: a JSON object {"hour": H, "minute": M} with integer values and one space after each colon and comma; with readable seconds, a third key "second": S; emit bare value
{"hour": 10, "minute": 9, "second": 31}
